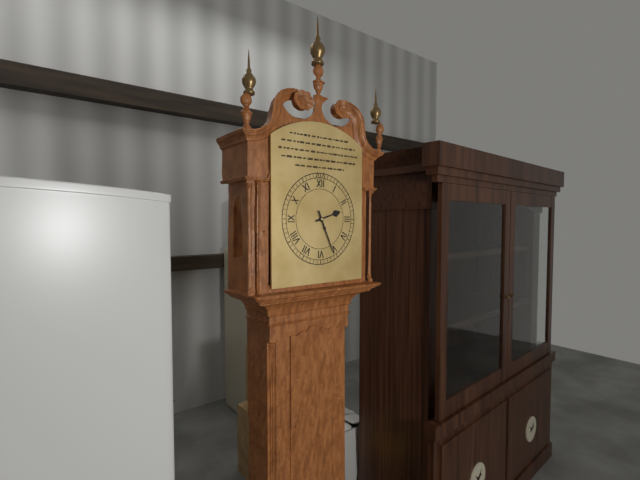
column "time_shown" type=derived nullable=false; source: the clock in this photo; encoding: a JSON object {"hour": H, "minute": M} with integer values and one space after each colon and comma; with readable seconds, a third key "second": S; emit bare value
{"hour": 2, "minute": 26}
